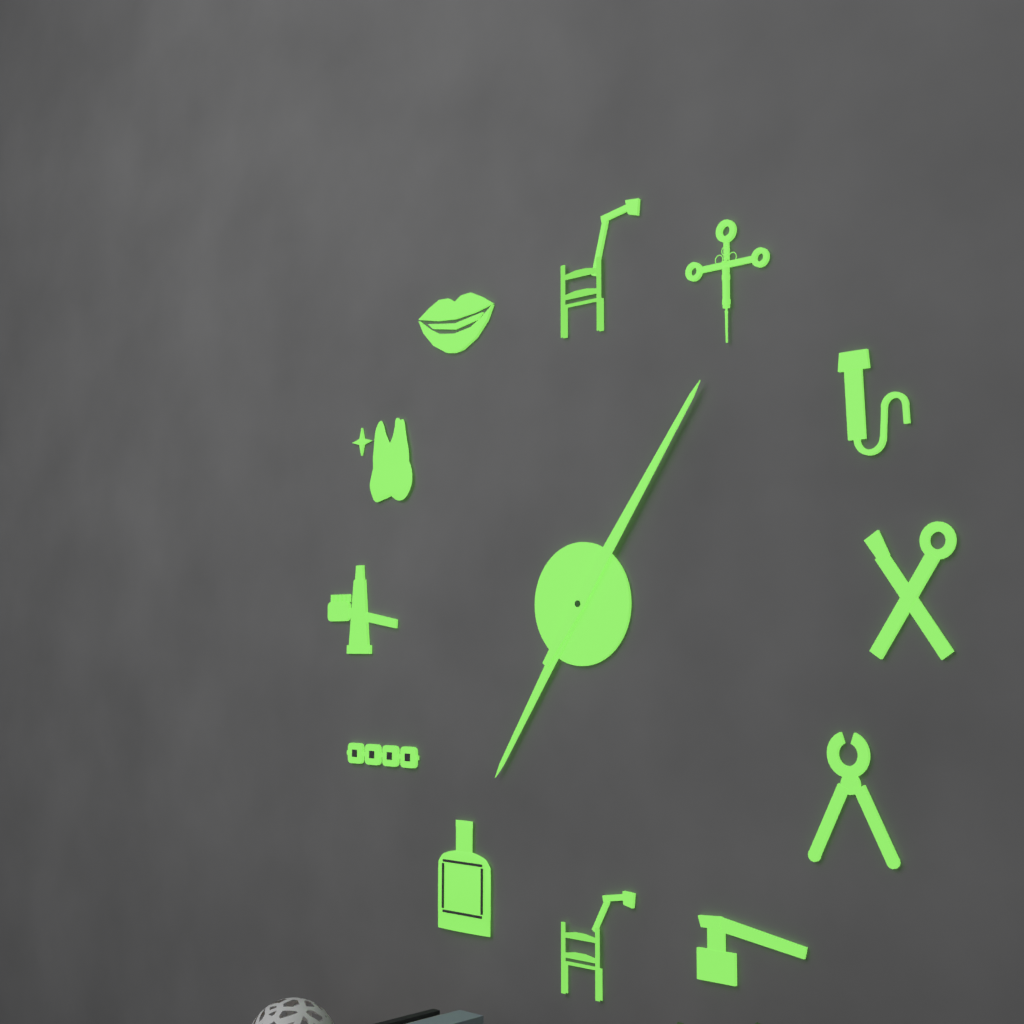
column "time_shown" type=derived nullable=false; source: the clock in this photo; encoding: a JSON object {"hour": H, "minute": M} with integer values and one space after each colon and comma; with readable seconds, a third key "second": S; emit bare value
{"hour": 7, "minute": 6}
